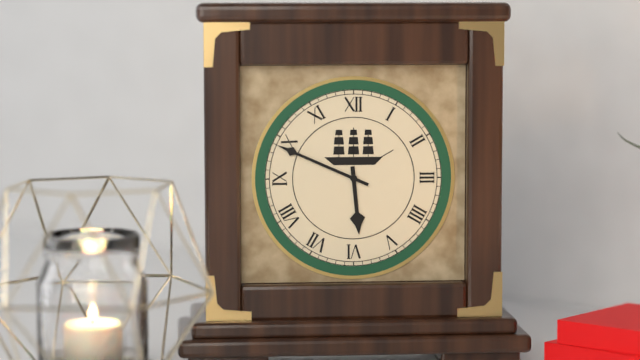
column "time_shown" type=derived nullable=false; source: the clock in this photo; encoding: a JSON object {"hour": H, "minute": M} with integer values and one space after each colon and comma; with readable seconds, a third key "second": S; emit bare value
{"hour": 5, "minute": 49}
